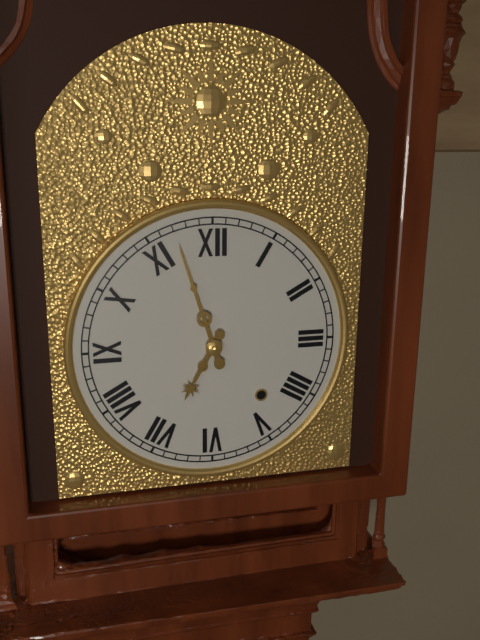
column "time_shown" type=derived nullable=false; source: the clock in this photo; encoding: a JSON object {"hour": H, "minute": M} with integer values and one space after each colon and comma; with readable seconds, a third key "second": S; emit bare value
{"hour": 6, "minute": 57}
